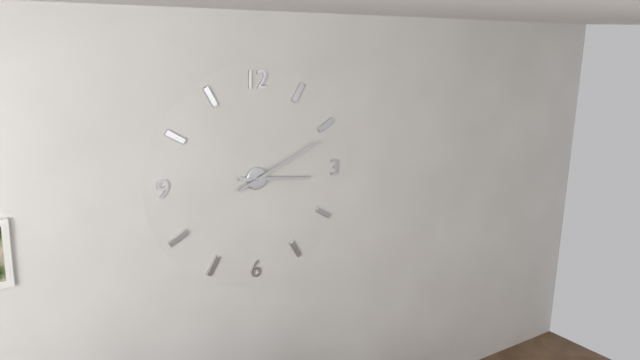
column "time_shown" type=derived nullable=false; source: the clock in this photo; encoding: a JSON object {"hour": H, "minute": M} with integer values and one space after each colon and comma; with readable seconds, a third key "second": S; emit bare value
{"hour": 3, "minute": 11}
